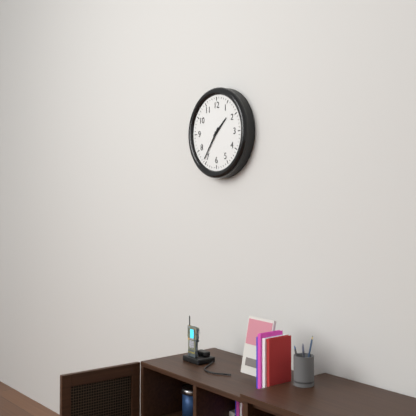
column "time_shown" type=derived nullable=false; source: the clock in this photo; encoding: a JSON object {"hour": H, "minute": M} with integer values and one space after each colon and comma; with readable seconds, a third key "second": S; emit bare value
{"hour": 1, "minute": 36}
